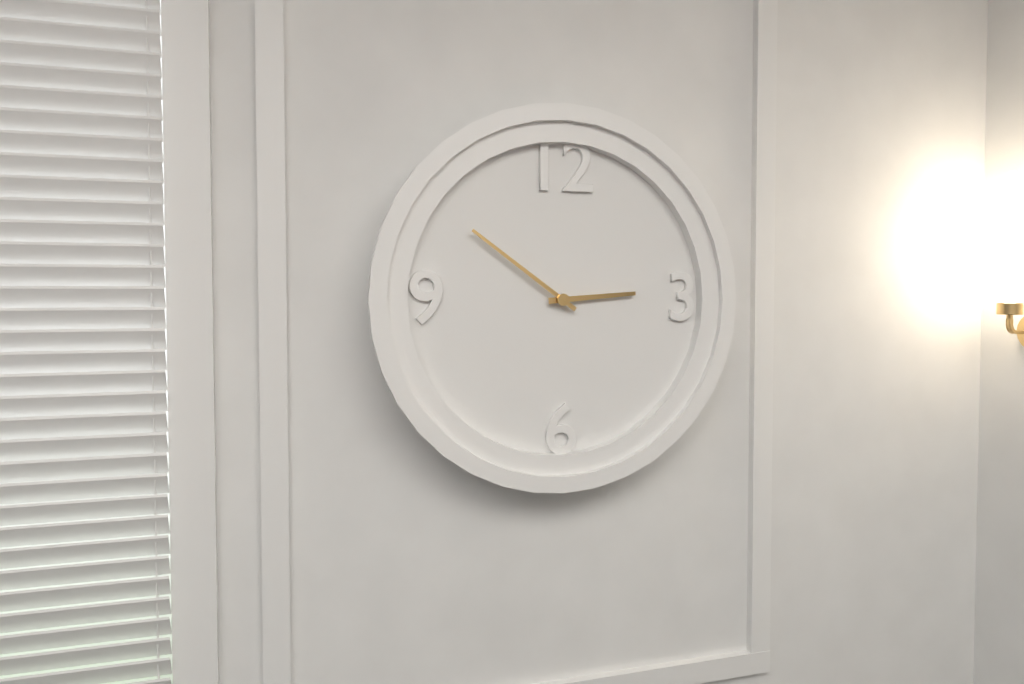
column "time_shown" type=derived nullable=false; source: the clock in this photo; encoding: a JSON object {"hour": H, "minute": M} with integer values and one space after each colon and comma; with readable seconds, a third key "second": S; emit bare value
{"hour": 2, "minute": 51}
